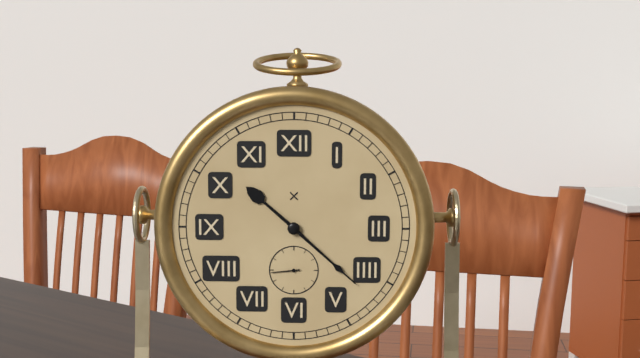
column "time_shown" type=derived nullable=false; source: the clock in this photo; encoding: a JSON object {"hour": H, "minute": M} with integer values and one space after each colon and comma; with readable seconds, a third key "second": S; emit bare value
{"hour": 10, "minute": 22}
